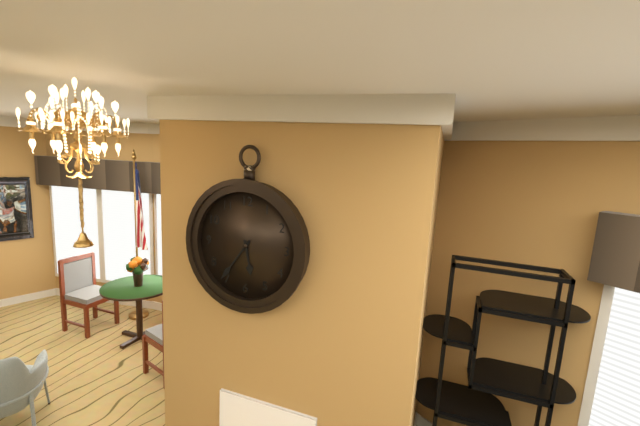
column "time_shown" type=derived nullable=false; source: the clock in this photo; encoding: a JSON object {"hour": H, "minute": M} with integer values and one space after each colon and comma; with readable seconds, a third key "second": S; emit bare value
{"hour": 5, "minute": 36}
